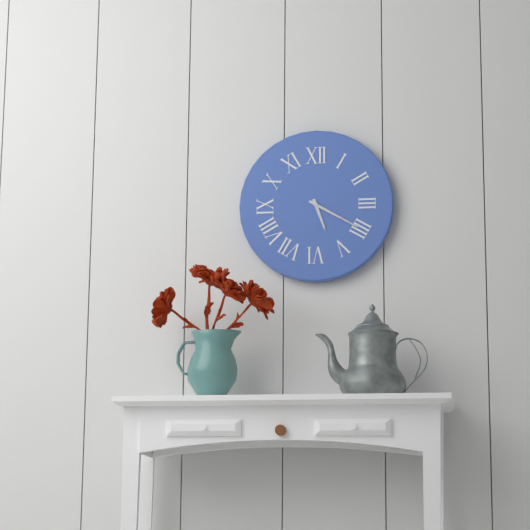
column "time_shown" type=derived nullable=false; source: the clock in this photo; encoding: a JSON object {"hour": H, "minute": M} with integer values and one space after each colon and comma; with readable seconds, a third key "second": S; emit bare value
{"hour": 5, "minute": 20}
